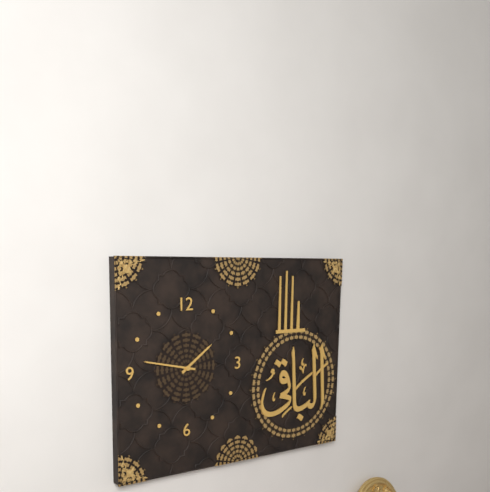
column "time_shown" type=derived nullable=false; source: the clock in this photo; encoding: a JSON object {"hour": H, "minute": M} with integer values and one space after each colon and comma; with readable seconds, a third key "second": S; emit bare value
{"hour": 1, "minute": 47}
